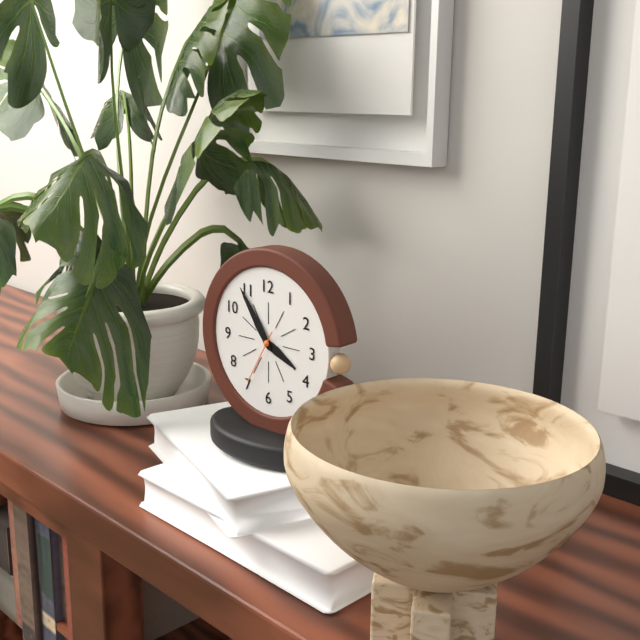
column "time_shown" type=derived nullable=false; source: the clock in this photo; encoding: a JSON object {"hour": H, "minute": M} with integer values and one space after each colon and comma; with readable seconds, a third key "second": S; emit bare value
{"hour": 3, "minute": 54, "second": 35}
